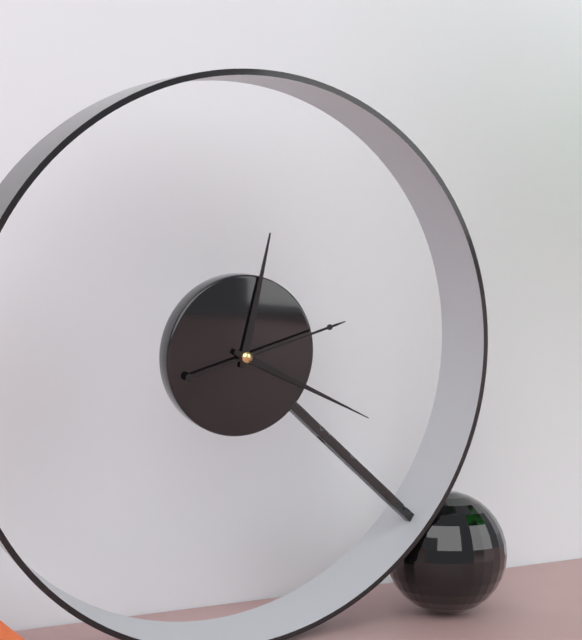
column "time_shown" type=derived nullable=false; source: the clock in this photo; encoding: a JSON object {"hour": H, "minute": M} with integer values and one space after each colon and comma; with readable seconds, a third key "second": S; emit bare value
{"hour": 12, "minute": 19, "second": 12}
